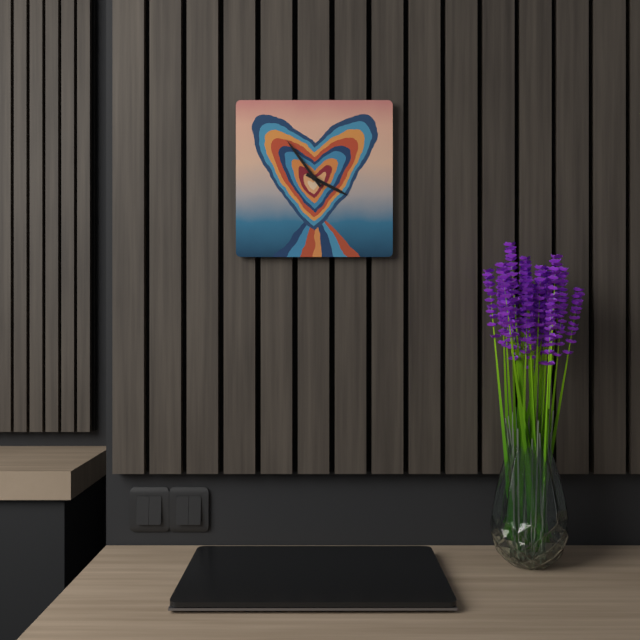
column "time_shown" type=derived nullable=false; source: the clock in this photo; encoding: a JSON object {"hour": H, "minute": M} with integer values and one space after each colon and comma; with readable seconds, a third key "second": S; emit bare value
{"hour": 3, "minute": 54}
